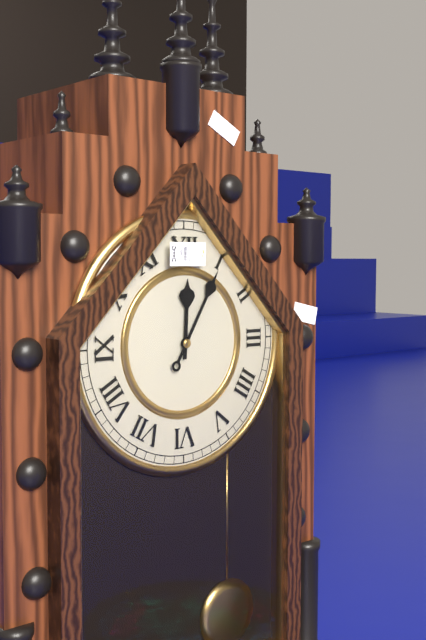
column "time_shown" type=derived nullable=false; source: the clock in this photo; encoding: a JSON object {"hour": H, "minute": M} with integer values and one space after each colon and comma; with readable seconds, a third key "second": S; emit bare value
{"hour": 12, "minute": 5}
